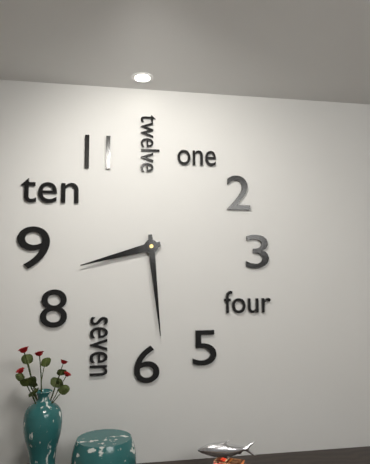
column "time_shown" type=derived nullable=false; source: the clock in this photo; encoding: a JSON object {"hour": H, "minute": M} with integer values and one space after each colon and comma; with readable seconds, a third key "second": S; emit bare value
{"hour": 8, "minute": 29}
